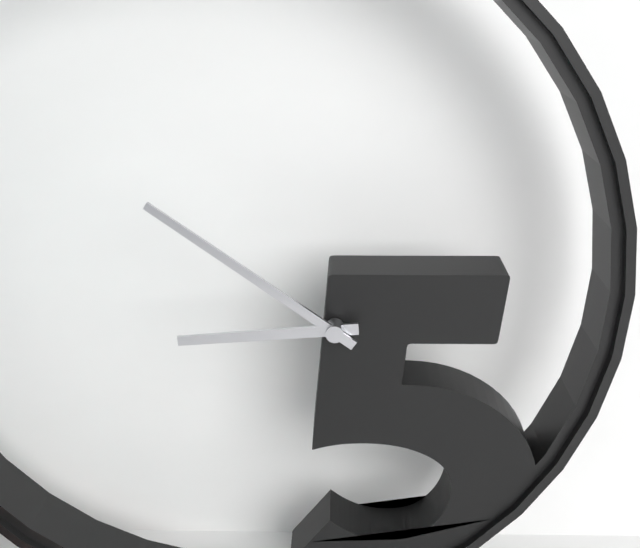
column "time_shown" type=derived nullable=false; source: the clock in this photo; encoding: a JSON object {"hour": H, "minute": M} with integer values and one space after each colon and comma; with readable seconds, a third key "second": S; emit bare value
{"hour": 8, "minute": 51}
